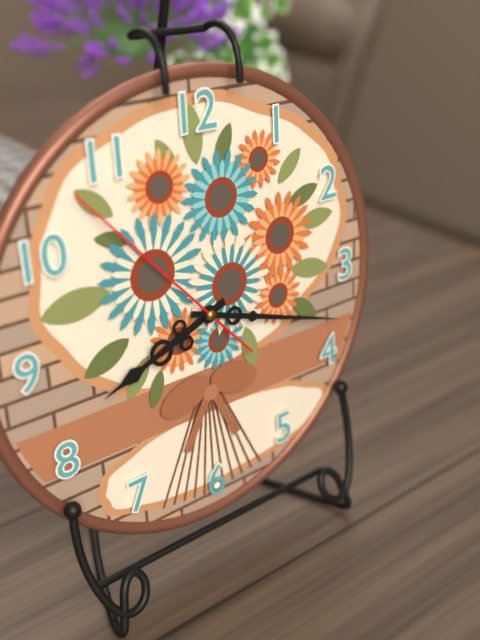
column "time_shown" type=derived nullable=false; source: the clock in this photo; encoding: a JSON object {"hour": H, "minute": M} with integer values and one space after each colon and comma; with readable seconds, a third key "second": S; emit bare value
{"hour": 8, "minute": 18, "second": 53}
